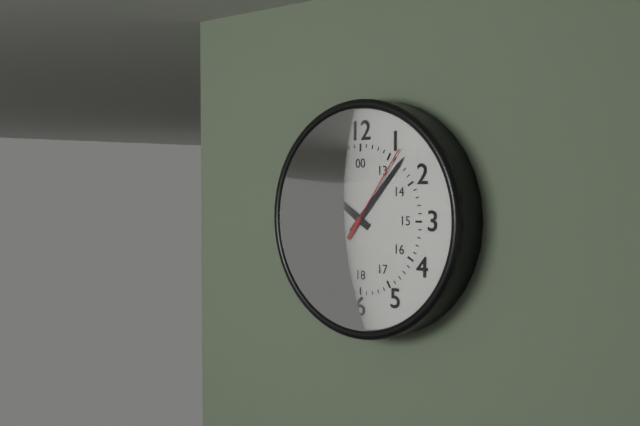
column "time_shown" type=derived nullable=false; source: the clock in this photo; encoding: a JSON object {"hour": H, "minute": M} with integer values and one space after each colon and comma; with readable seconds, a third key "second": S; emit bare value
{"hour": 10, "minute": 7, "second": 6}
